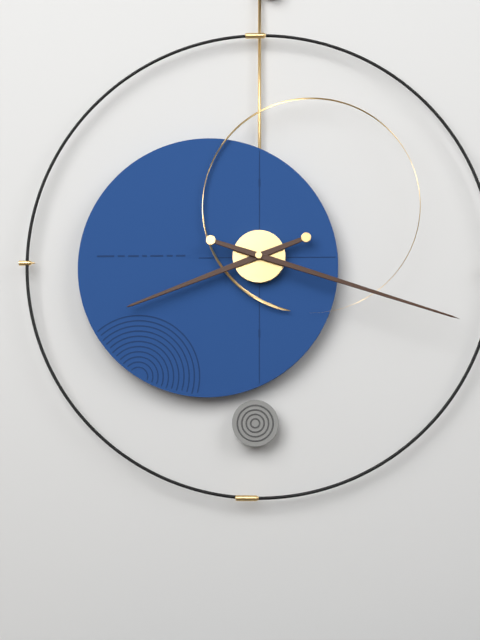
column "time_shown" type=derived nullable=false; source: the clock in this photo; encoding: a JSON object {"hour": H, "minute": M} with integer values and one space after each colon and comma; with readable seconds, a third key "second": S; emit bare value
{"hour": 8, "minute": 18}
